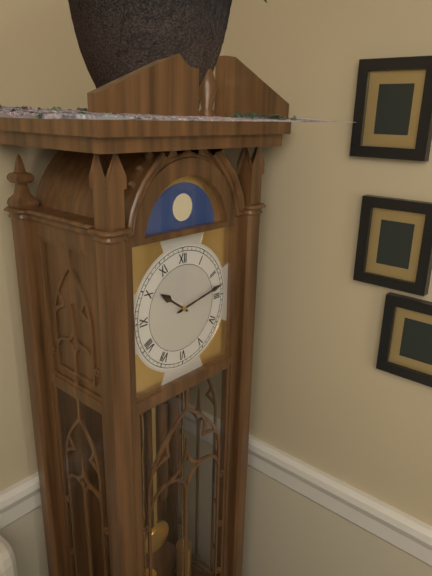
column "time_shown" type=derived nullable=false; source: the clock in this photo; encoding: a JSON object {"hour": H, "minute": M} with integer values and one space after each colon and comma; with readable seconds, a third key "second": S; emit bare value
{"hour": 10, "minute": 13}
